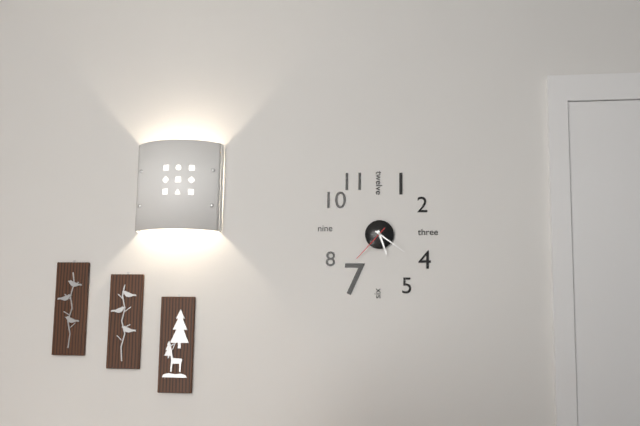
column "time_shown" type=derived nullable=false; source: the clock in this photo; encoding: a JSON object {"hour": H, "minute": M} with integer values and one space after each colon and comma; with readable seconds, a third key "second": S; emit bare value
{"hour": 5, "minute": 21}
